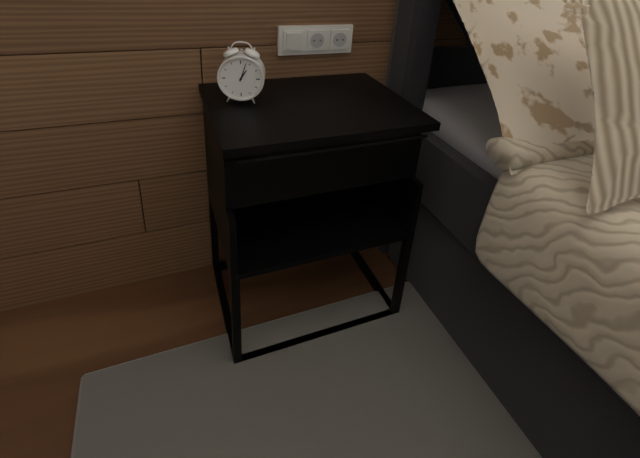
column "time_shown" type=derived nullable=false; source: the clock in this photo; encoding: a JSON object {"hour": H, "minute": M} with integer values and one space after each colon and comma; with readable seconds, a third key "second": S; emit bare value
{"hour": 1, "minute": 3}
